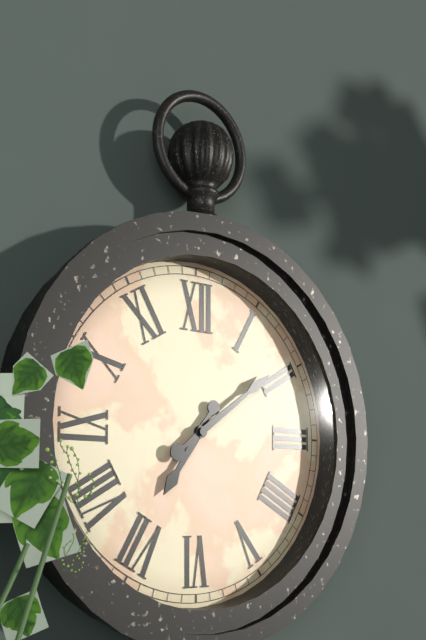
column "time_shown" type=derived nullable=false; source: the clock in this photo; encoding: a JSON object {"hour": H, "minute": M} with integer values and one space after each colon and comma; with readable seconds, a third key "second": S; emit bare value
{"hour": 7, "minute": 9}
